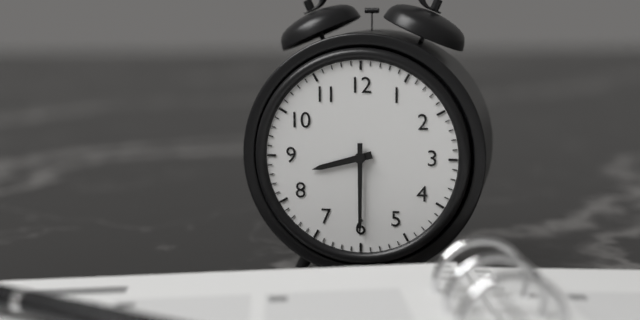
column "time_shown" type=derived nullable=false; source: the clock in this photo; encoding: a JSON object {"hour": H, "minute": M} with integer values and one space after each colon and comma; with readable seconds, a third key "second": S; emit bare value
{"hour": 8, "minute": 30}
